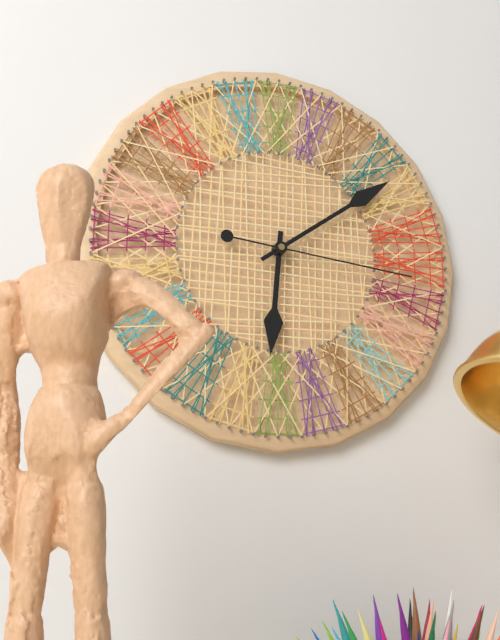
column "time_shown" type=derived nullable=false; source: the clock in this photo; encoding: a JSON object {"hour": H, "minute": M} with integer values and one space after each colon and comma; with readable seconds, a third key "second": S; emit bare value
{"hour": 6, "minute": 9, "second": 16}
